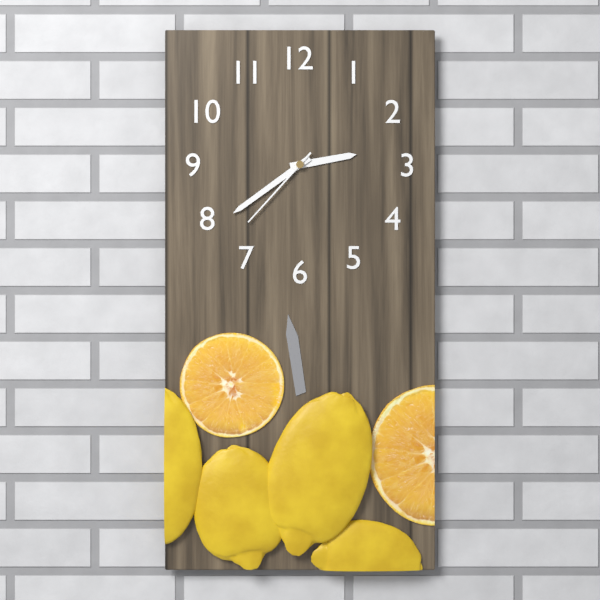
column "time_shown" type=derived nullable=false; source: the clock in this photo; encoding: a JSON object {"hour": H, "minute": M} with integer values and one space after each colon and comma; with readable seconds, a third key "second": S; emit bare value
{"hour": 2, "minute": 39, "second": 37}
